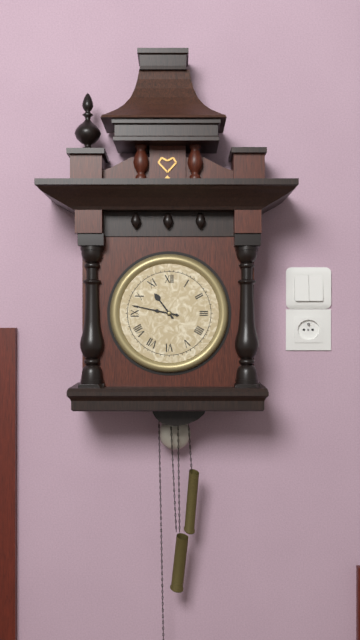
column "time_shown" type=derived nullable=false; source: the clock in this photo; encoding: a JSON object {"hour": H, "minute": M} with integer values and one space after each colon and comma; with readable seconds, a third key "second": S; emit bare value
{"hour": 10, "minute": 47}
